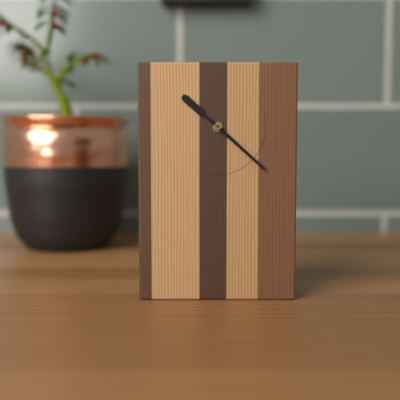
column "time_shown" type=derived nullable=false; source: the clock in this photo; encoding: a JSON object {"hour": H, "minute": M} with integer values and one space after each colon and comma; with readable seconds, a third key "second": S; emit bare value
{"hour": 10, "minute": 22}
